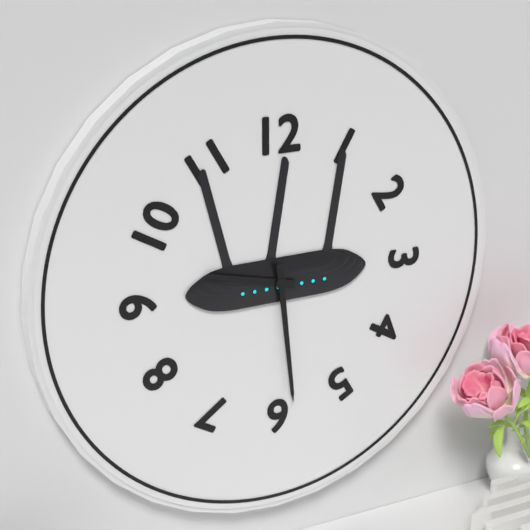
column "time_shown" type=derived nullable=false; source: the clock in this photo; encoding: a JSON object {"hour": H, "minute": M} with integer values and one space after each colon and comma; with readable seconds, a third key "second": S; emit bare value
{"hour": 9, "minute": 29}
